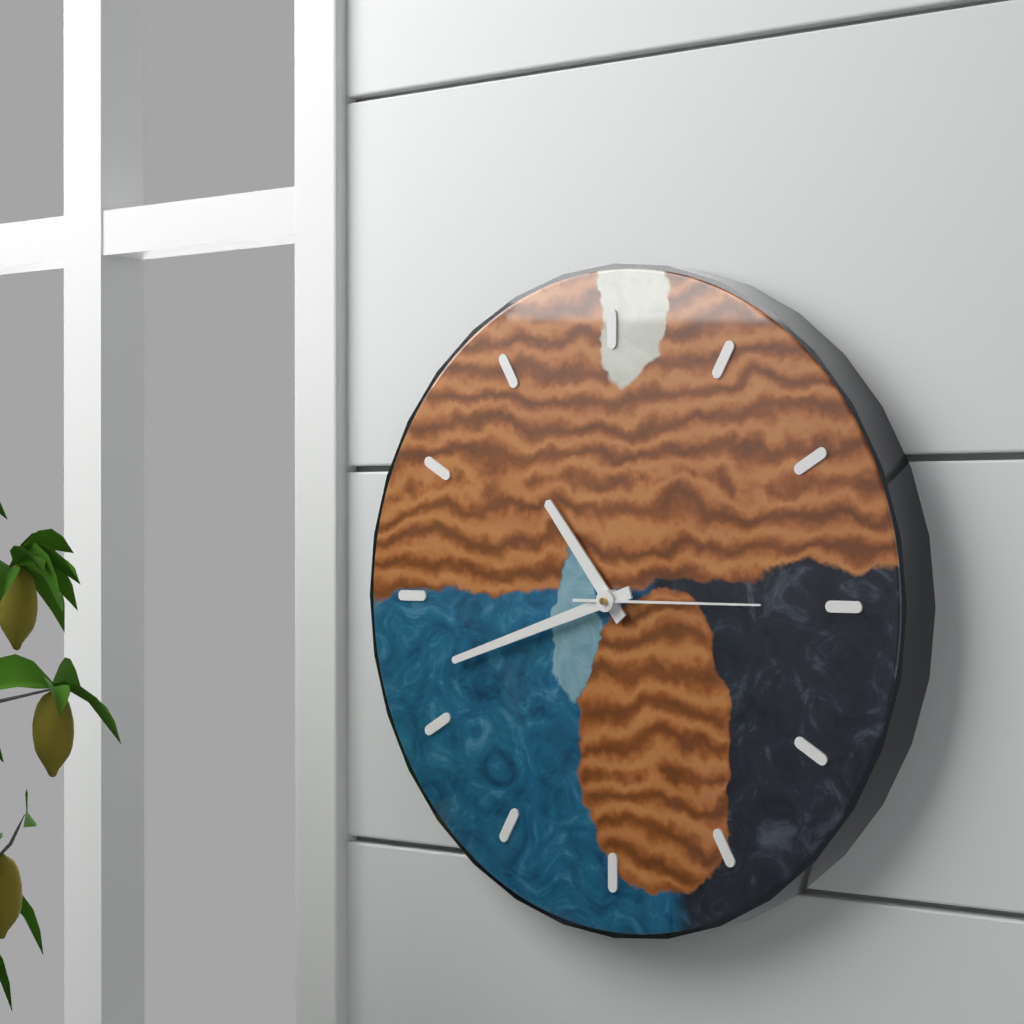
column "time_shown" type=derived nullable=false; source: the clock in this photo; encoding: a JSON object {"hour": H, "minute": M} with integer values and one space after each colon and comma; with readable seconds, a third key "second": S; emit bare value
{"hour": 10, "minute": 42, "second": 15}
